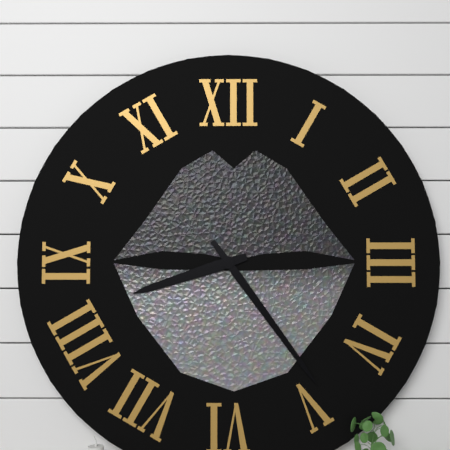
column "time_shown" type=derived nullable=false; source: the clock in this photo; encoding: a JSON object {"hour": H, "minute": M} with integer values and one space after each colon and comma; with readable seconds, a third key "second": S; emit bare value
{"hour": 8, "minute": 24}
